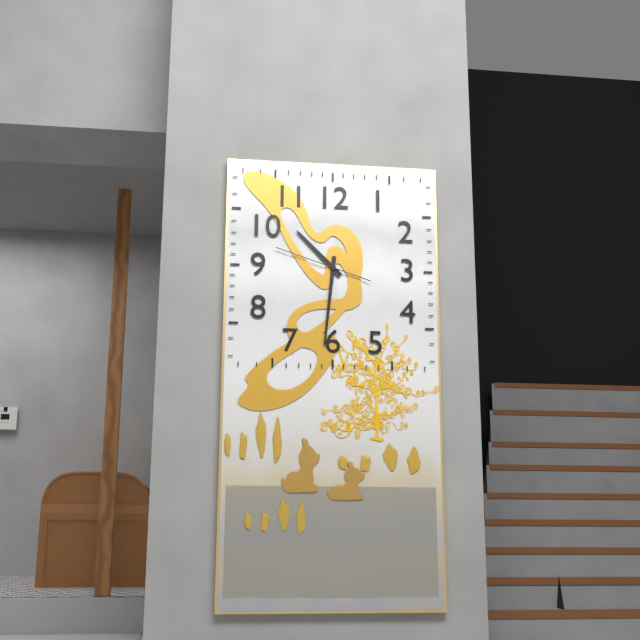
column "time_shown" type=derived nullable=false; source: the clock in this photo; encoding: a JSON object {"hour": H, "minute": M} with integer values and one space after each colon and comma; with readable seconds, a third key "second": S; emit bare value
{"hour": 10, "minute": 31, "second": 48}
